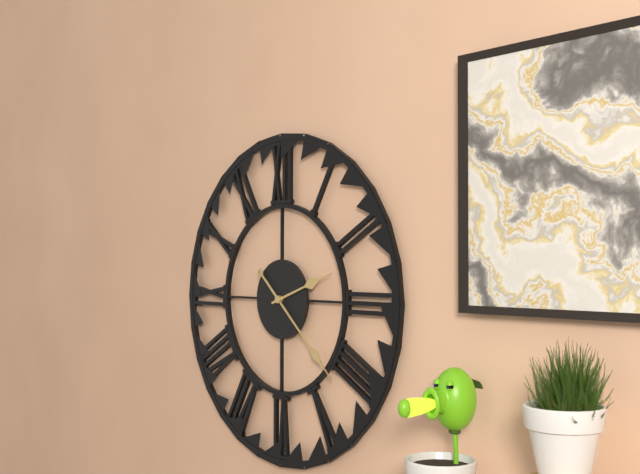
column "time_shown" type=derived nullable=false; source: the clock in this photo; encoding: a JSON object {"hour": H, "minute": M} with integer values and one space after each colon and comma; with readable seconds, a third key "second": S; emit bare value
{"hour": 2, "minute": 22}
